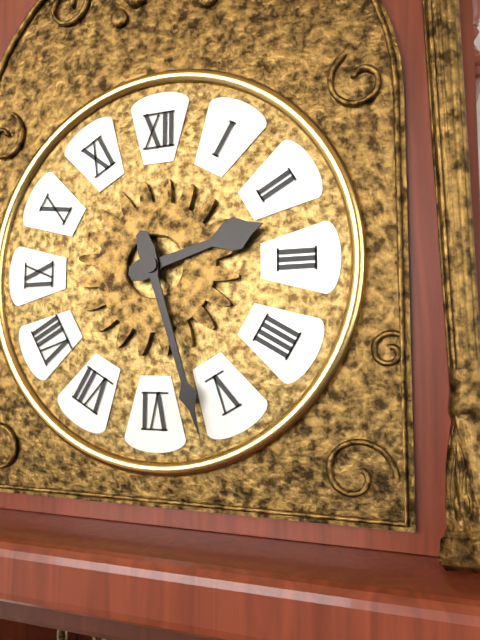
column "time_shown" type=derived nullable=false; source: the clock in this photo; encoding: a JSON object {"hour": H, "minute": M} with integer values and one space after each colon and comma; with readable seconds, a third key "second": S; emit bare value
{"hour": 2, "minute": 27}
